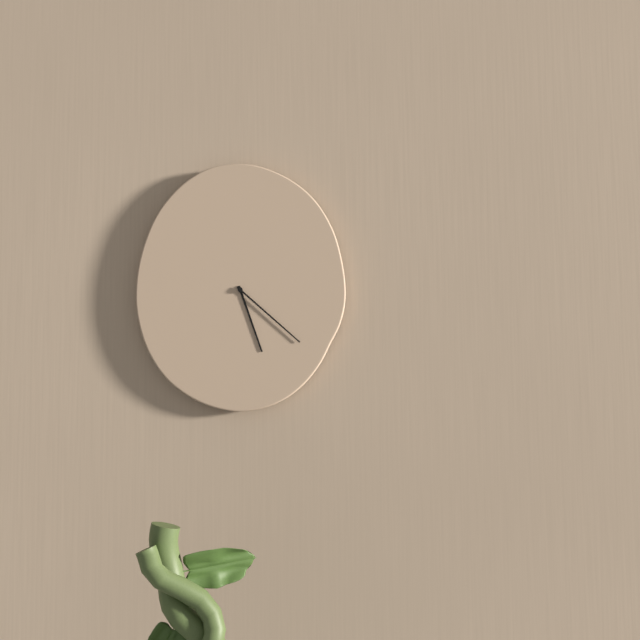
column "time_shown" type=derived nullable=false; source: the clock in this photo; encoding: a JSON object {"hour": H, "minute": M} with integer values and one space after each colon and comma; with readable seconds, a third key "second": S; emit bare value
{"hour": 5, "minute": 22}
